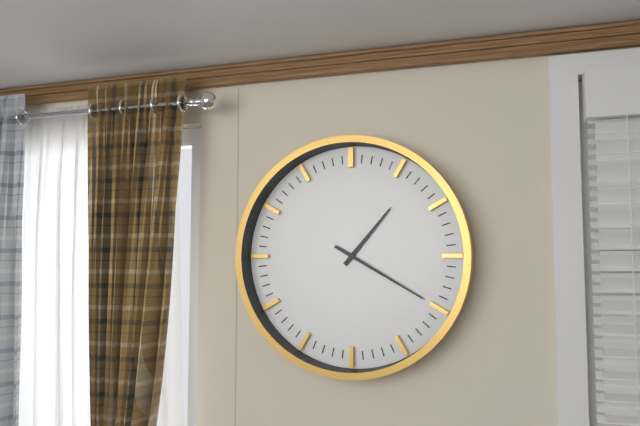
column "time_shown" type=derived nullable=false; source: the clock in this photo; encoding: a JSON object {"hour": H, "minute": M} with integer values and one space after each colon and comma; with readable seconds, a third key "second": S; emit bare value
{"hour": 1, "minute": 20}
